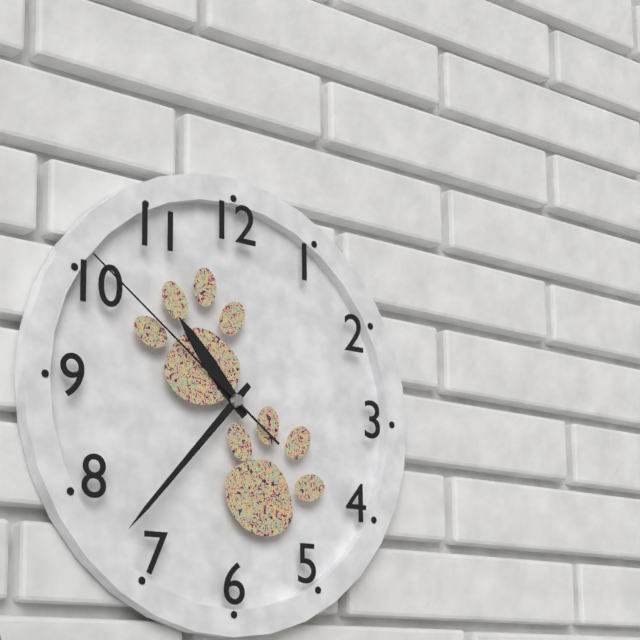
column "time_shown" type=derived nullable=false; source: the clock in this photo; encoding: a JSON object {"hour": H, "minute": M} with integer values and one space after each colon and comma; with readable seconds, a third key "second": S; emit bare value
{"hour": 10, "minute": 37, "second": 51}
